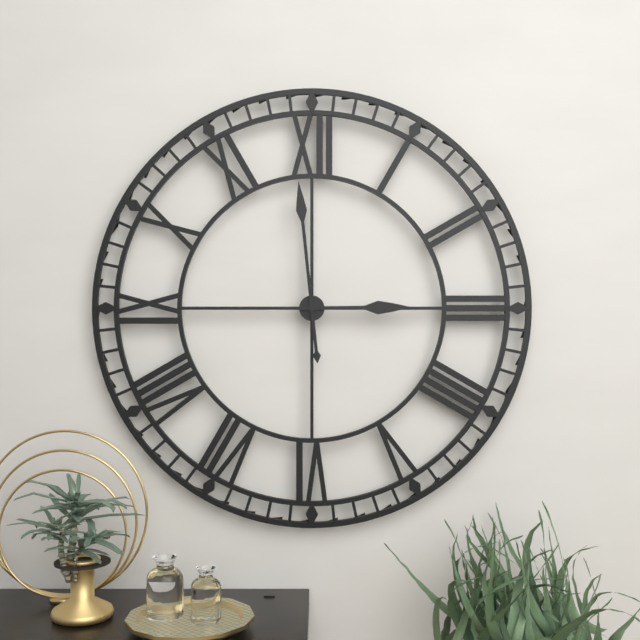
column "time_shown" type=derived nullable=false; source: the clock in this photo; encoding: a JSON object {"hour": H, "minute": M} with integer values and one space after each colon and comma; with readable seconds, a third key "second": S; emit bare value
{"hour": 2, "minute": 59}
